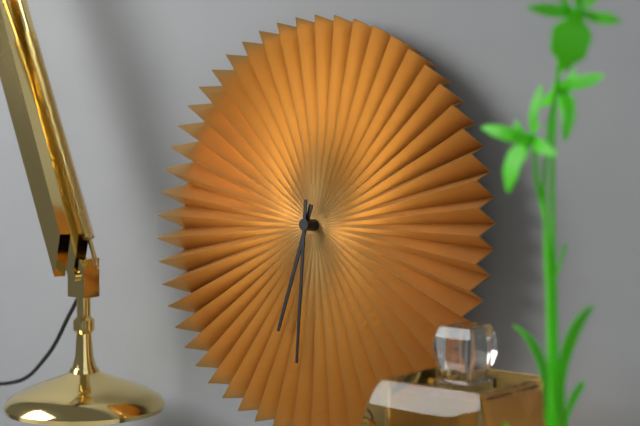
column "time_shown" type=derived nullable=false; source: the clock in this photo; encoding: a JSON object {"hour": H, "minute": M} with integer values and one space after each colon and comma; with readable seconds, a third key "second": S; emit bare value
{"hour": 6, "minute": 30}
